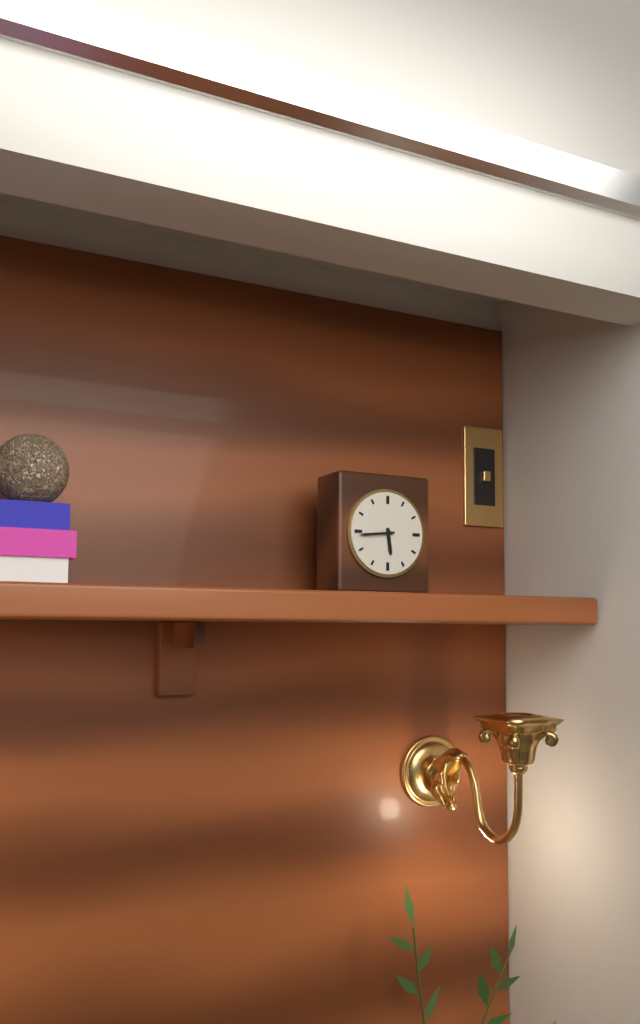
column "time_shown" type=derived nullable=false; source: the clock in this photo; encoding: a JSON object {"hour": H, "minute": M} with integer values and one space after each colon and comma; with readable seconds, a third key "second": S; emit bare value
{"hour": 5, "minute": 44}
